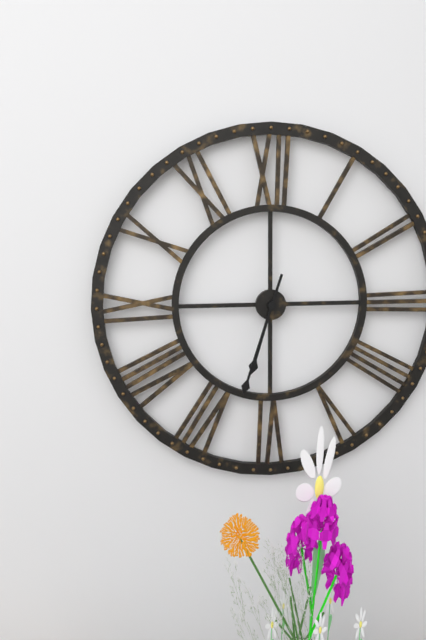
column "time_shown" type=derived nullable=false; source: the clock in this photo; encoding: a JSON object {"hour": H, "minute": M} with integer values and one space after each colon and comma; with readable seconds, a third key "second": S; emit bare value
{"hour": 6, "minute": 33}
